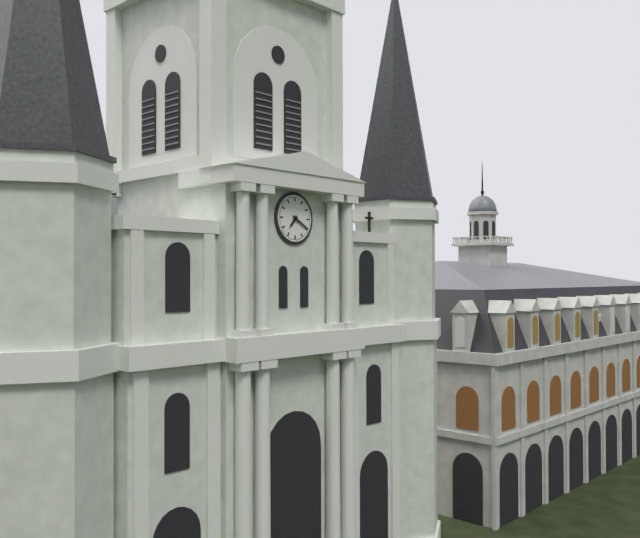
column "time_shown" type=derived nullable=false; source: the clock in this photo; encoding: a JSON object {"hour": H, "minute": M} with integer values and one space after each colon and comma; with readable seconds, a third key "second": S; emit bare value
{"hour": 7, "minute": 20}
